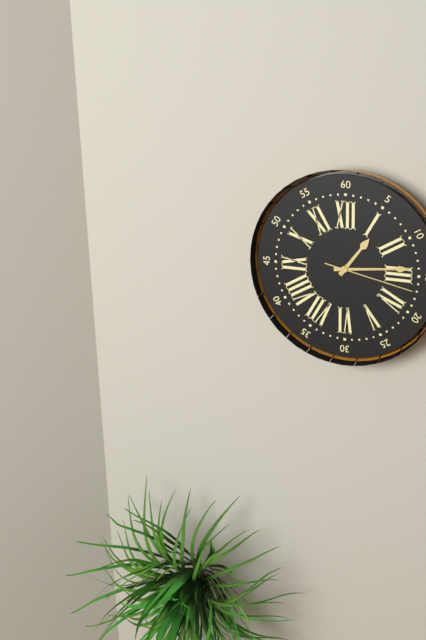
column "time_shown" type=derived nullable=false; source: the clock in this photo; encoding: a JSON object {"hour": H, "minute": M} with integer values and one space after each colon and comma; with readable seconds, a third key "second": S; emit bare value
{"hour": 1, "minute": 14, "second": 17}
